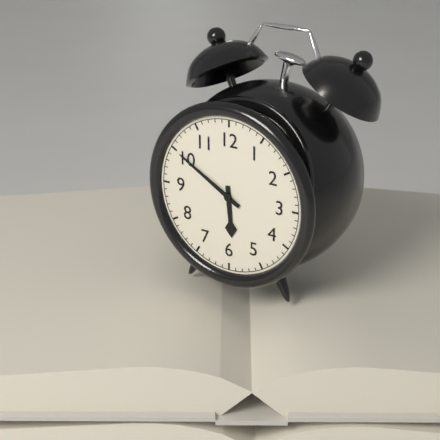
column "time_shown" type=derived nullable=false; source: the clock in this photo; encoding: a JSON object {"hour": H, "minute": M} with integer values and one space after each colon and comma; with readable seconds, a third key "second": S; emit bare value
{"hour": 5, "minute": 50}
